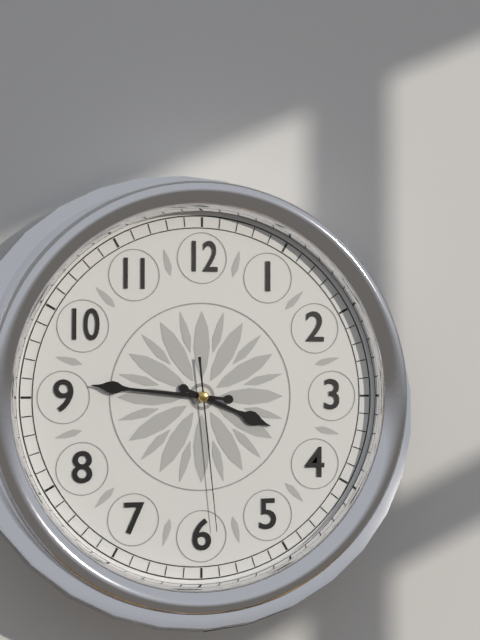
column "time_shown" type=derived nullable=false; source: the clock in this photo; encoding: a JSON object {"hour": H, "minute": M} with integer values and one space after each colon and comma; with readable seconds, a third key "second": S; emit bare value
{"hour": 3, "minute": 46, "second": 29}
